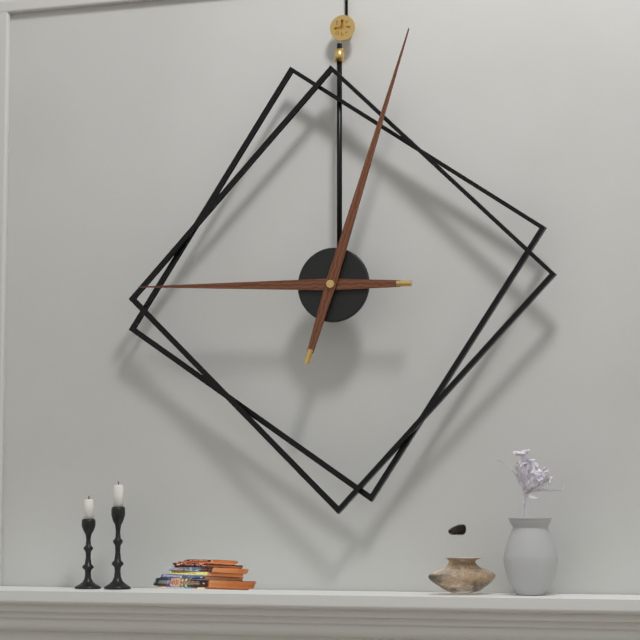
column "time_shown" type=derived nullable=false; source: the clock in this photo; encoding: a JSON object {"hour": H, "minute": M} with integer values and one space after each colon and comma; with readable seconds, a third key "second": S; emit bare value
{"hour": 9, "minute": 3}
